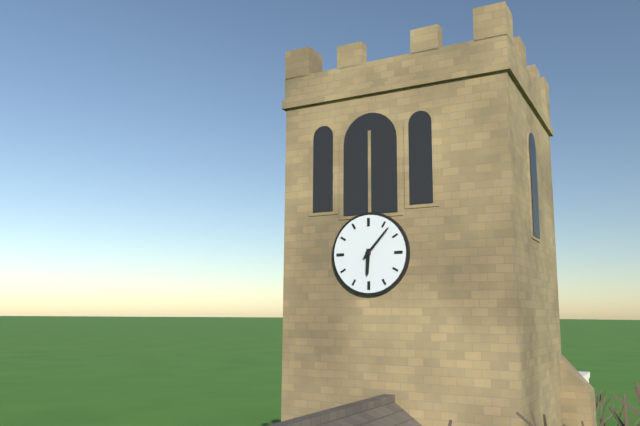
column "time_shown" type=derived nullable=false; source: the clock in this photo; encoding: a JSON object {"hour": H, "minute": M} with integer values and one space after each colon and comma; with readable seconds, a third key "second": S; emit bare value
{"hour": 6, "minute": 7}
